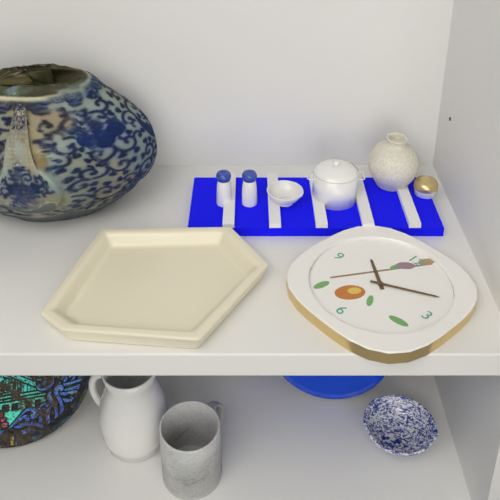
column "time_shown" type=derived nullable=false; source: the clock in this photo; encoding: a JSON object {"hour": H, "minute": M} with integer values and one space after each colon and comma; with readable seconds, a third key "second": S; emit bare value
{"hour": 10, "minute": 10}
